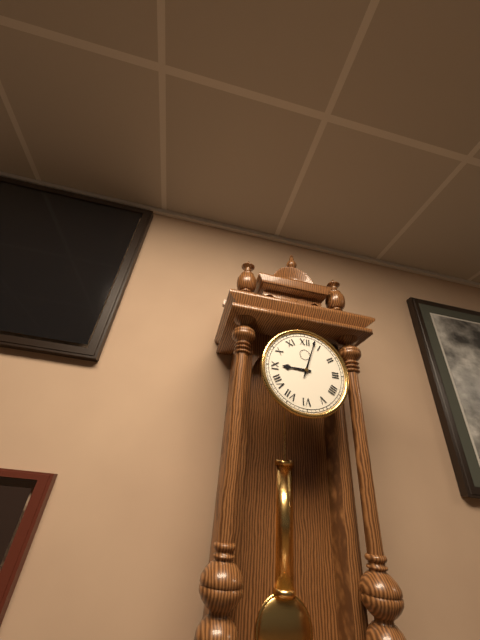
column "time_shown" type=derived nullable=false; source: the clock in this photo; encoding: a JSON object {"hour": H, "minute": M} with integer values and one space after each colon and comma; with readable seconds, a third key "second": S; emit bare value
{"hour": 9, "minute": 3}
